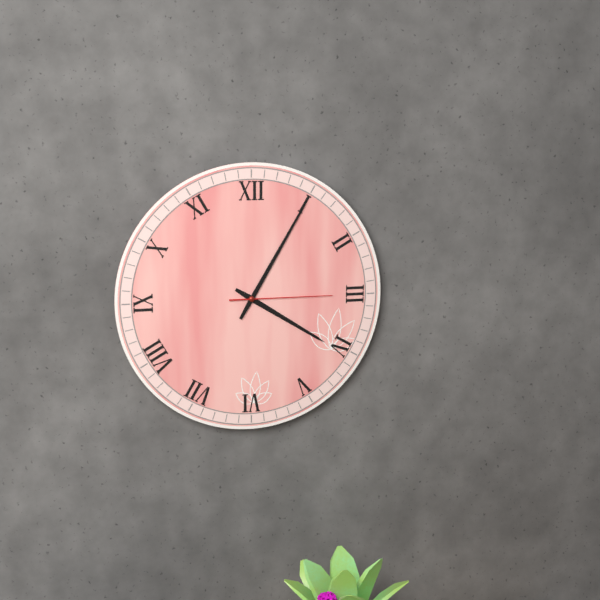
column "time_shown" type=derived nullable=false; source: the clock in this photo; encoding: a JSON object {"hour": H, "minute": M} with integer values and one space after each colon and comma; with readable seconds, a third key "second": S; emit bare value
{"hour": 4, "minute": 5, "second": 15}
